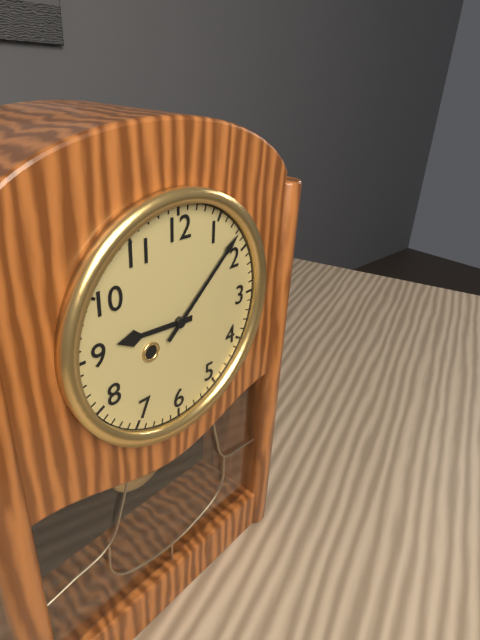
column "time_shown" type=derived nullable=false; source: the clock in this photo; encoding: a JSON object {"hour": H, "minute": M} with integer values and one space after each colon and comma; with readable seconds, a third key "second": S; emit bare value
{"hour": 9, "minute": 8}
